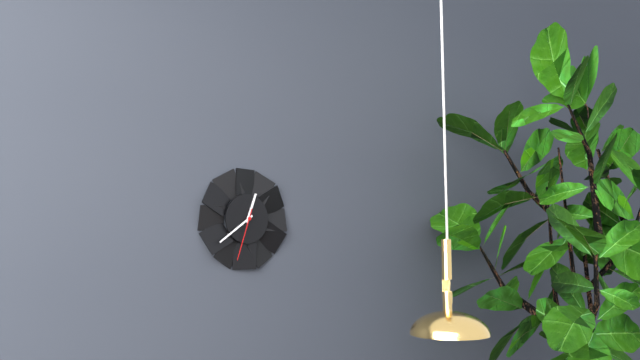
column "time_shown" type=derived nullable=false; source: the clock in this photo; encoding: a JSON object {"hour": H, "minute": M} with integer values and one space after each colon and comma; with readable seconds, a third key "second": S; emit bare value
{"hour": 12, "minute": 39, "second": 33}
